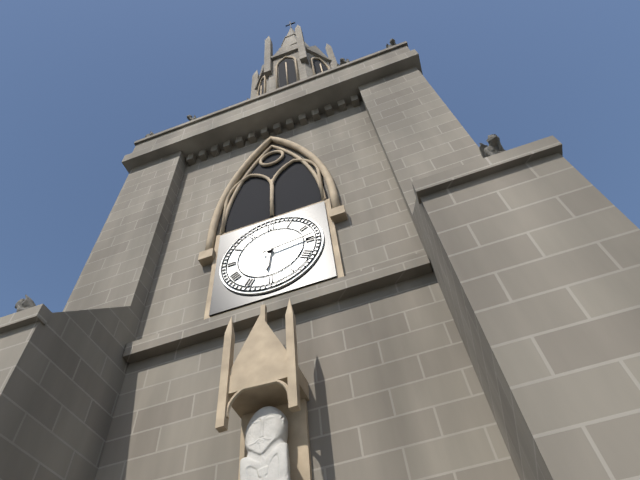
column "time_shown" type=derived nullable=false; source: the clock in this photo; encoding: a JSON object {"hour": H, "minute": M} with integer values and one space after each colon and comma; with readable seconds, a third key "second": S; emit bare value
{"hour": 6, "minute": 14}
